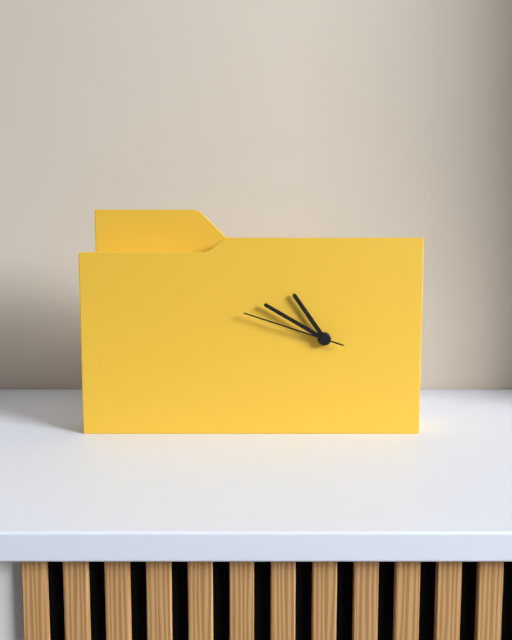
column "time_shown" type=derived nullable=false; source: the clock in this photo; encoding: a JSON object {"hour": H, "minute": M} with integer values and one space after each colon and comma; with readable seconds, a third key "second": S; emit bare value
{"hour": 10, "minute": 50, "second": 48}
